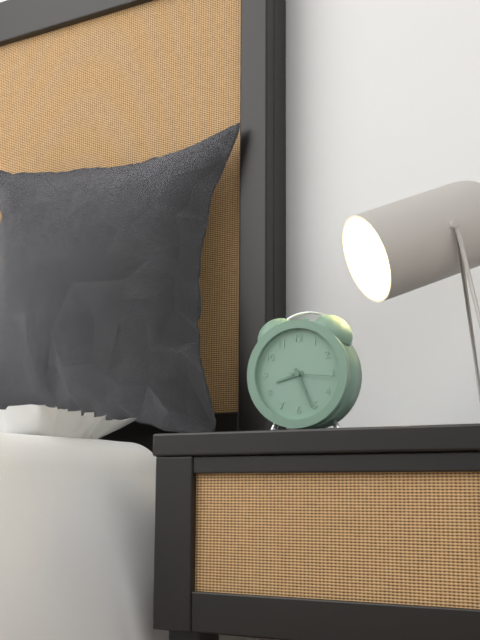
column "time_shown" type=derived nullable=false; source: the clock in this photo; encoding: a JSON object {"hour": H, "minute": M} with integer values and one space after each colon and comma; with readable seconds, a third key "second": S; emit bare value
{"hour": 8, "minute": 26}
